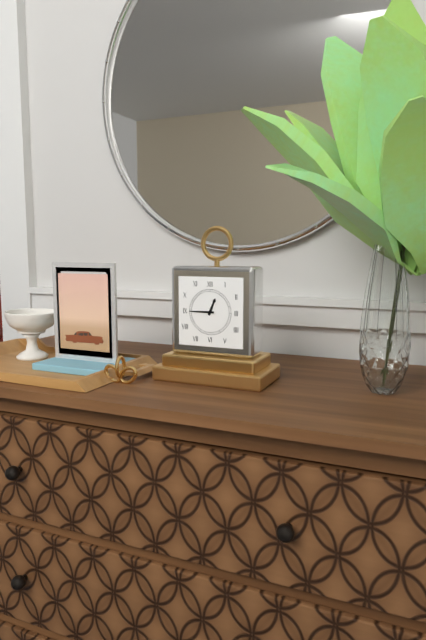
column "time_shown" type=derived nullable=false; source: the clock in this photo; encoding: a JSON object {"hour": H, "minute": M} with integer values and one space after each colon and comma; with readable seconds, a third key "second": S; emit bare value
{"hour": 12, "minute": 45}
